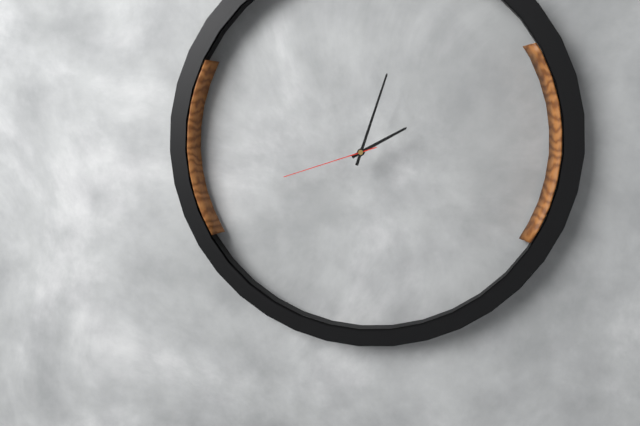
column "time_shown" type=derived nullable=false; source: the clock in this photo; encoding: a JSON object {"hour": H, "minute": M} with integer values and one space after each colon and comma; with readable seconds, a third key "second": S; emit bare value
{"hour": 2, "minute": 3, "second": 42}
